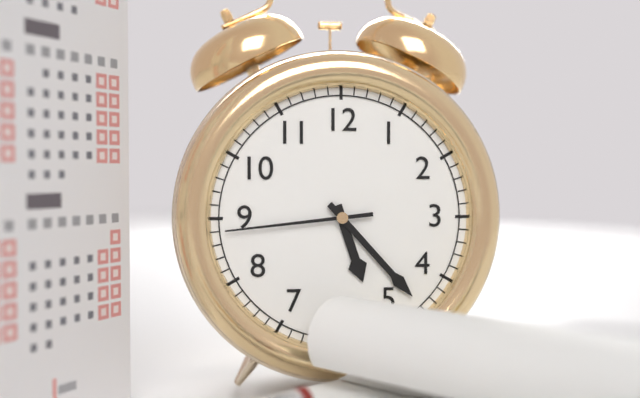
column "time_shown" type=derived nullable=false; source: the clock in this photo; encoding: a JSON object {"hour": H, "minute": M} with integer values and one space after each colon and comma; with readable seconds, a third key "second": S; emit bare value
{"hour": 5, "minute": 23, "second": 44}
